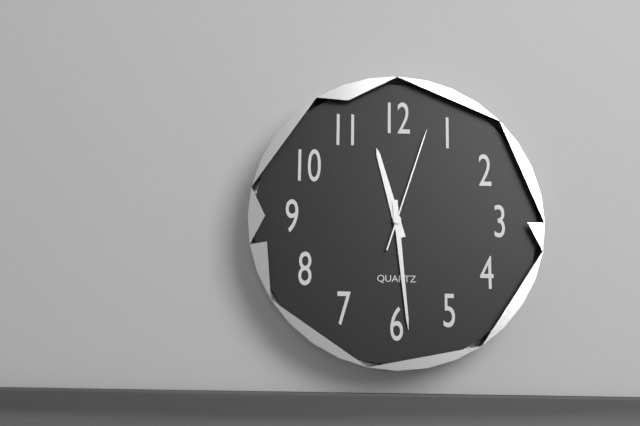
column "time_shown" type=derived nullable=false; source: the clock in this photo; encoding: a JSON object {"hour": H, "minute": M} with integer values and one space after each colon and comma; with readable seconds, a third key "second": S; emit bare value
{"hour": 11, "minute": 29, "second": 3}
